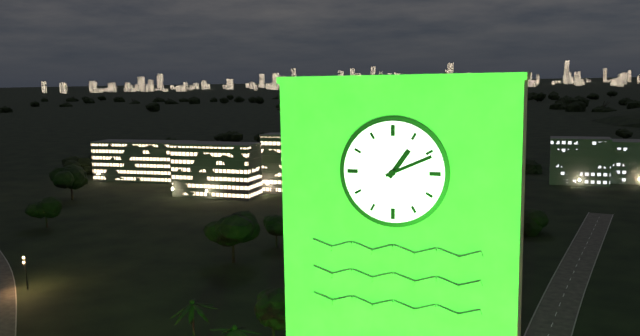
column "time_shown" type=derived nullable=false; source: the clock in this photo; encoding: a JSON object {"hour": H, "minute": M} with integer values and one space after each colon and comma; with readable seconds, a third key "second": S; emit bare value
{"hour": 1, "minute": 11}
